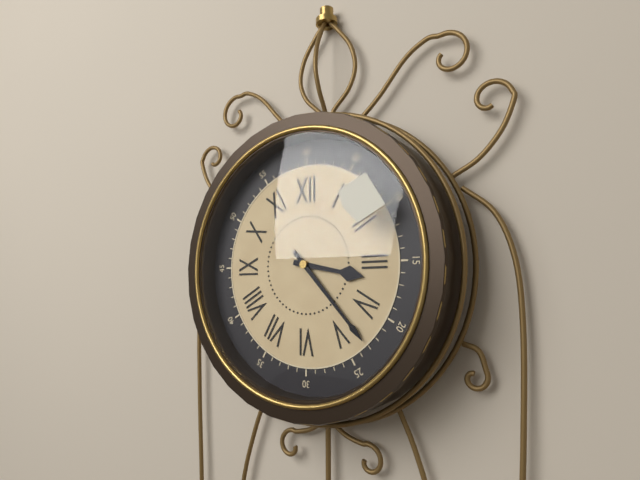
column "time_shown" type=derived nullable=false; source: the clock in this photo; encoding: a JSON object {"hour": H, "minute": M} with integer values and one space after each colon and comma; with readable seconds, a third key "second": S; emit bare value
{"hour": 3, "minute": 23}
